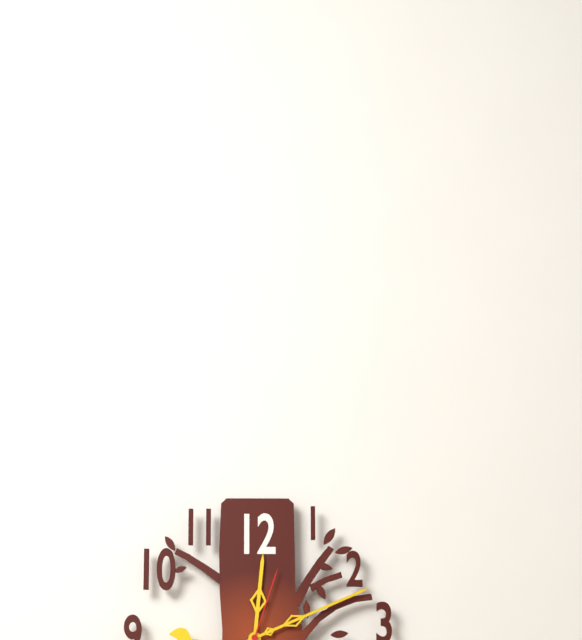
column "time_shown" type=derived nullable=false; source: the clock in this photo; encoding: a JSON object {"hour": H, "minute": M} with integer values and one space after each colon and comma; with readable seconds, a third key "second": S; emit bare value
{"hour": 12, "minute": 11, "second": 3}
